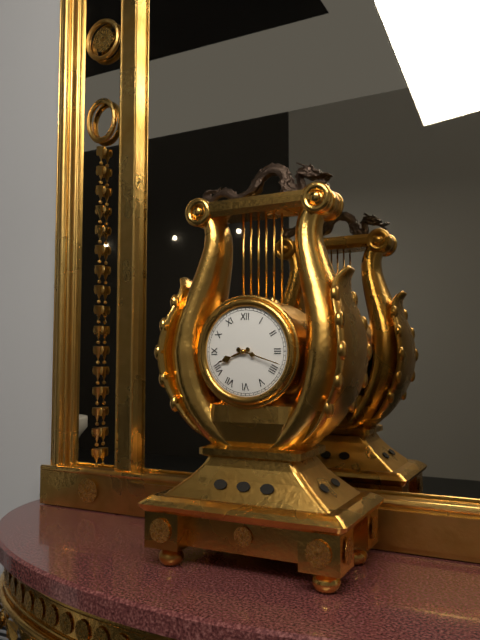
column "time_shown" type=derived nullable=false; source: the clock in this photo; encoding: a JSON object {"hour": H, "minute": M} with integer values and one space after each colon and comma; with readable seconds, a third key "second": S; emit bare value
{"hour": 8, "minute": 18}
